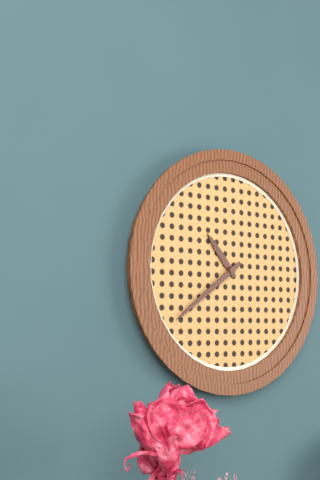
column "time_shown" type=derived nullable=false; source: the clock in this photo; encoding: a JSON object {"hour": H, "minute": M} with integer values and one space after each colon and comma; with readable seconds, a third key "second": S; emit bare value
{"hour": 10, "minute": 39}
